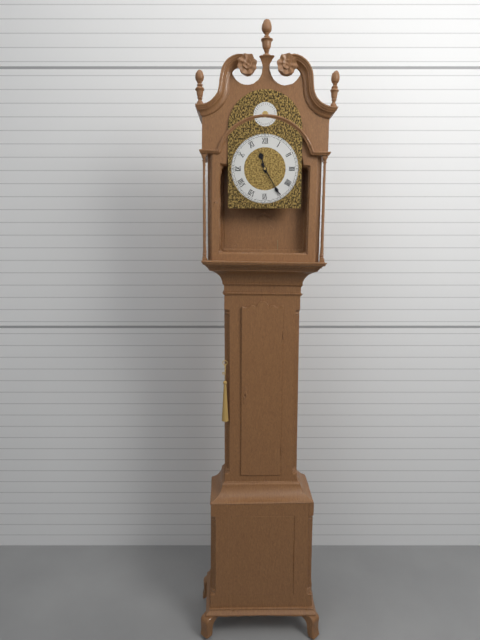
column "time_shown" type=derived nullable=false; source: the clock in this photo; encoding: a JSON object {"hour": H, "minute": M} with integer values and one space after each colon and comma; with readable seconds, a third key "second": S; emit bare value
{"hour": 11, "minute": 25}
